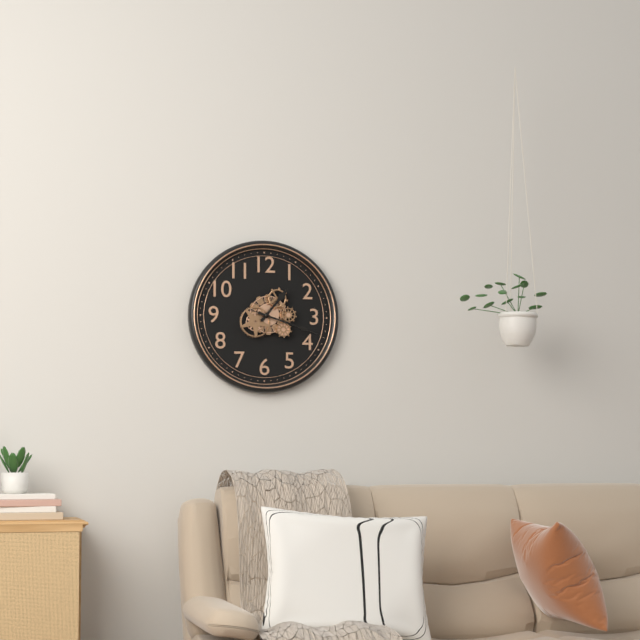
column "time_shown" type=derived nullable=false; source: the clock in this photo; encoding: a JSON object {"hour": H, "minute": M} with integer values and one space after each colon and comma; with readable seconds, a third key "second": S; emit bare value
{"hour": 1, "minute": 18}
